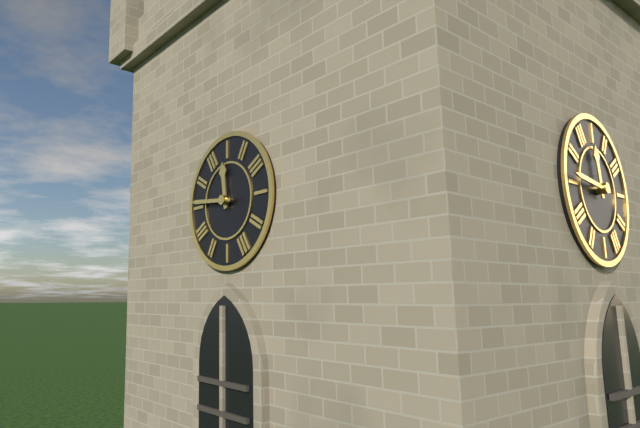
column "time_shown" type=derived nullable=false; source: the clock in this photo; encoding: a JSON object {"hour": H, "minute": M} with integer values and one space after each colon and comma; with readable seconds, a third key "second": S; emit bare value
{"hour": 11, "minute": 46}
